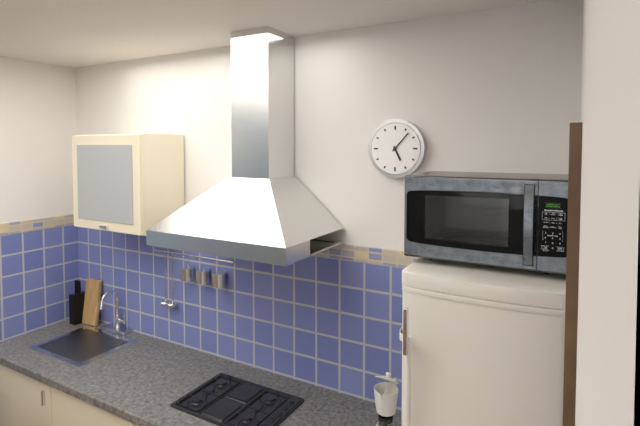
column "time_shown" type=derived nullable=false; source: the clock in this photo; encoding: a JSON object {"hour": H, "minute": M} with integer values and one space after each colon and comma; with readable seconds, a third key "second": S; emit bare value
{"hour": 5, "minute": 7}
